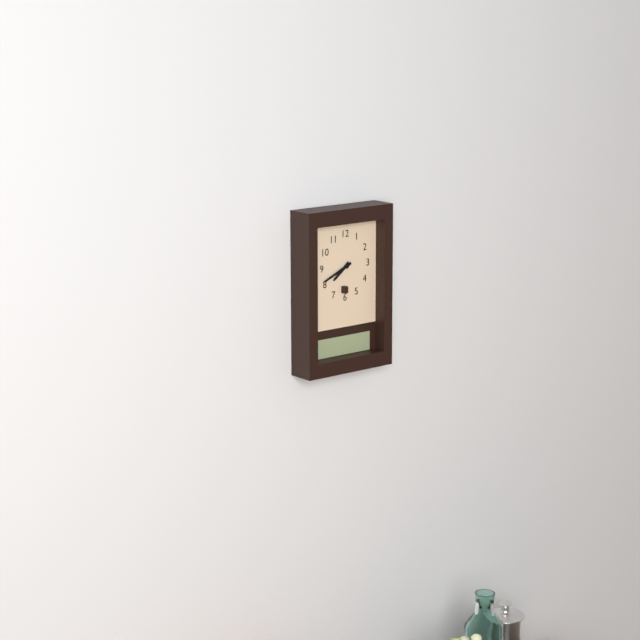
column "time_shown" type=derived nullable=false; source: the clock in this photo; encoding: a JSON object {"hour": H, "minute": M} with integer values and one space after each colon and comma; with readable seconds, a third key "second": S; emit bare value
{"hour": 7, "minute": 41}
